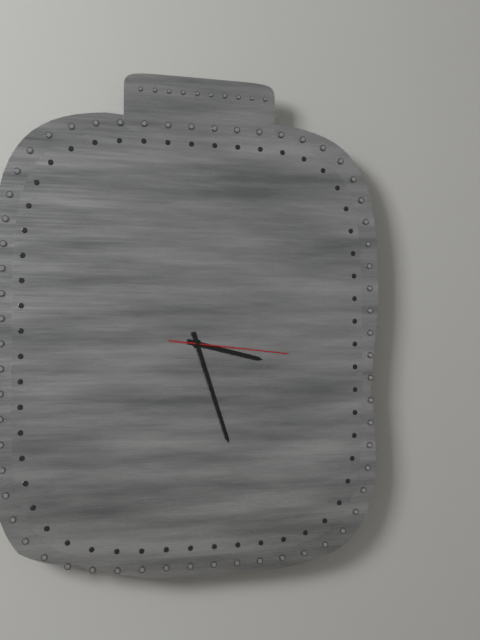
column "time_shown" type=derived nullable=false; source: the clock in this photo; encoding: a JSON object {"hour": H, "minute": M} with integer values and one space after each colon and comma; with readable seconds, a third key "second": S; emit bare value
{"hour": 3, "minute": 27, "second": 16}
